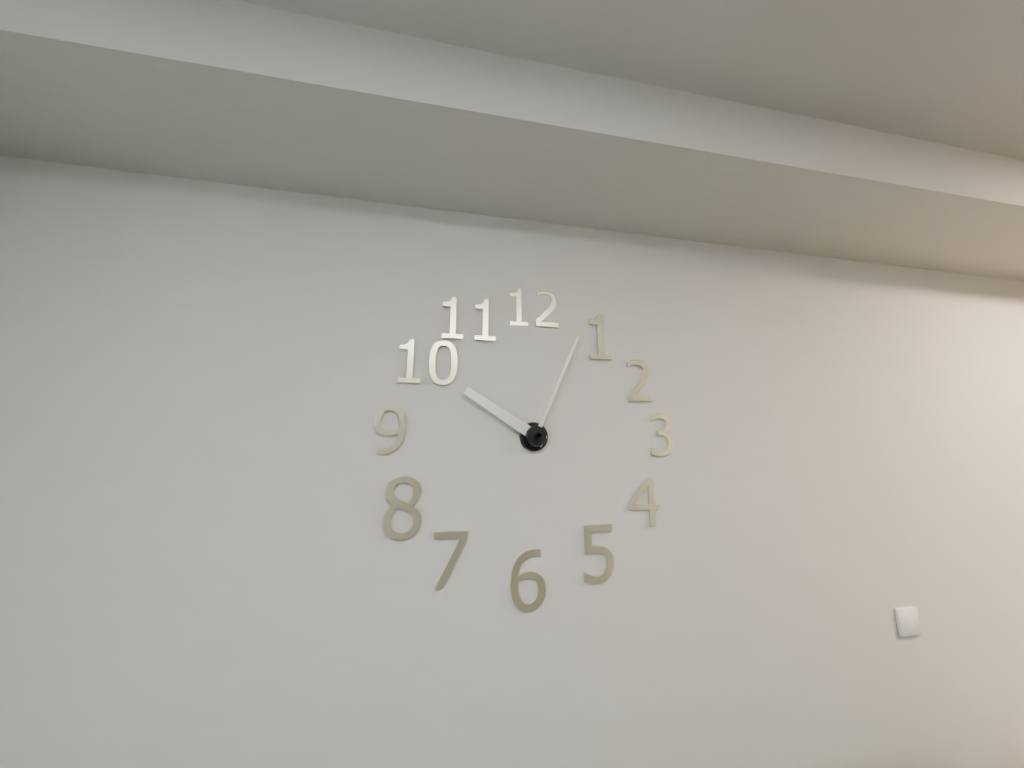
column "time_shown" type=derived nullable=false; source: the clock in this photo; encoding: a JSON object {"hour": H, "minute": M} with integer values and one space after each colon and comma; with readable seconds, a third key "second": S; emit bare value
{"hour": 10, "minute": 4}
